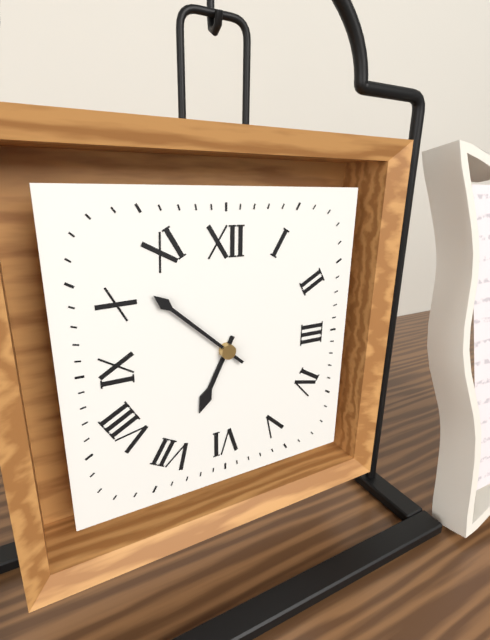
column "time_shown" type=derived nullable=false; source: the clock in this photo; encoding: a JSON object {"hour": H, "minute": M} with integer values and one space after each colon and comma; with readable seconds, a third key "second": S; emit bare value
{"hour": 6, "minute": 52}
